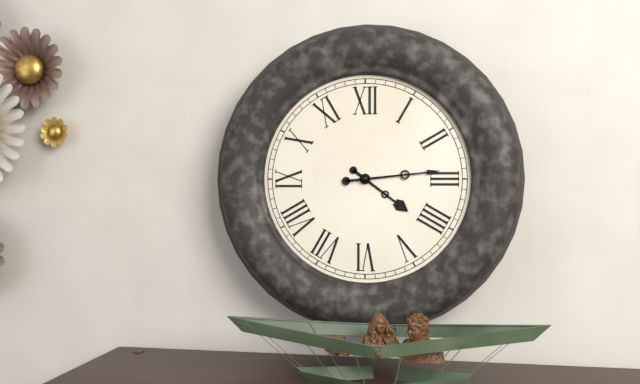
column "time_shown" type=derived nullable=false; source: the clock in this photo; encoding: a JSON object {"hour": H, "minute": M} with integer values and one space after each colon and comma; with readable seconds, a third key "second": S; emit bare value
{"hour": 4, "minute": 14}
